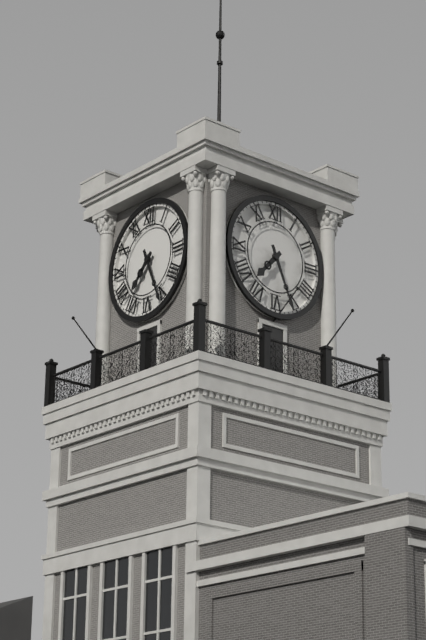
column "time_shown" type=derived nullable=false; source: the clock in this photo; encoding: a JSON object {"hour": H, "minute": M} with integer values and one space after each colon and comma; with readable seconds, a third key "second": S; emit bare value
{"hour": 7, "minute": 26}
